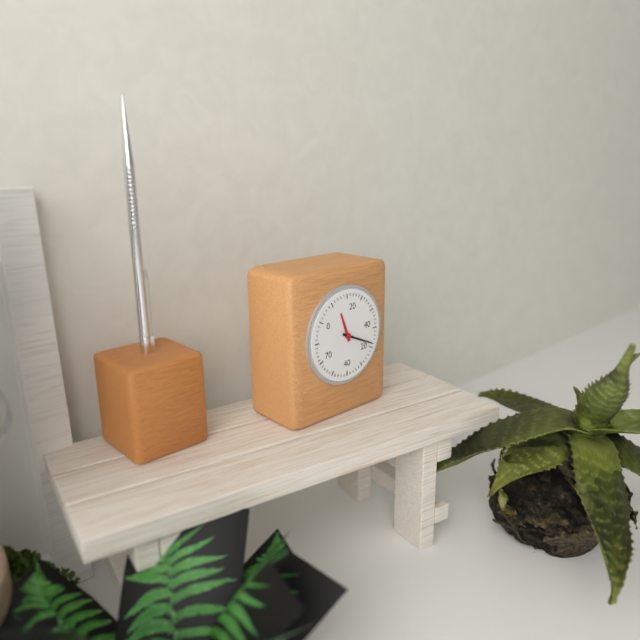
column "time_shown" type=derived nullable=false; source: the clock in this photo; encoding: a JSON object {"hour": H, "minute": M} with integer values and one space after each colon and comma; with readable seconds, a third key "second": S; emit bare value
{"hour": 11, "minute": 19}
